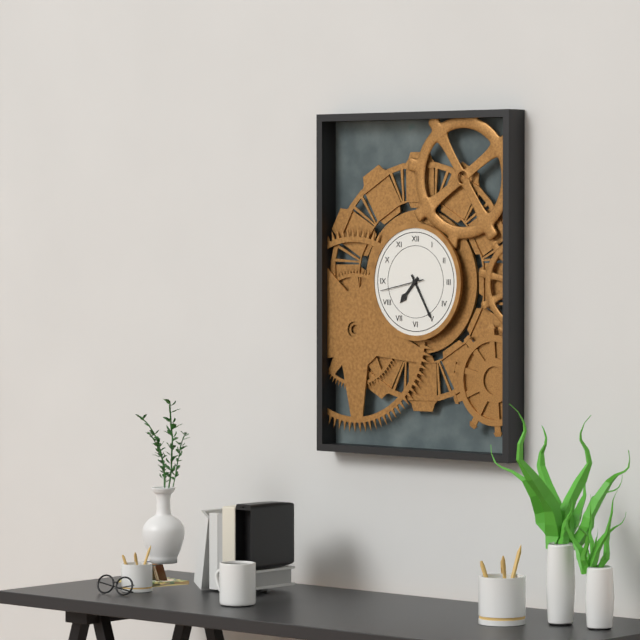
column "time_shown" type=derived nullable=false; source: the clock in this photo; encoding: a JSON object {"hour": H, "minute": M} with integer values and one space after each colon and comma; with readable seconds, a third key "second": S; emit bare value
{"hour": 7, "minute": 25}
